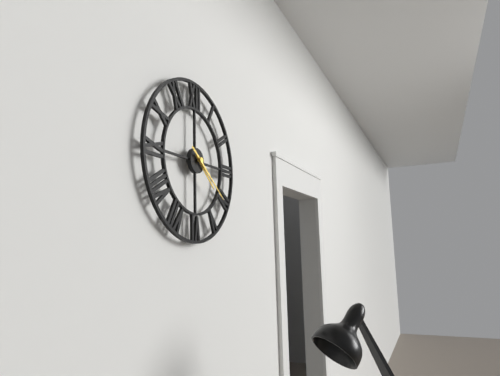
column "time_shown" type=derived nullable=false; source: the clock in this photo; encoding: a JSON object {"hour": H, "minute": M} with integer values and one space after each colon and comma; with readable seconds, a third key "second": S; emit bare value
{"hour": 4, "minute": 21}
